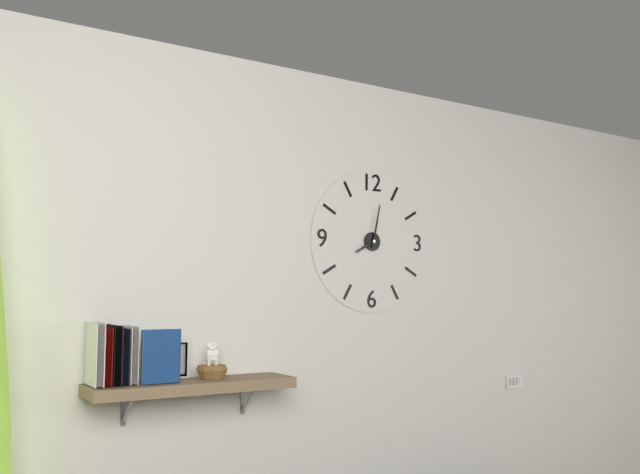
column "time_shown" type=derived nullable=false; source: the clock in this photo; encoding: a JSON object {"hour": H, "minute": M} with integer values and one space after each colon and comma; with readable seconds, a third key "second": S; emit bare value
{"hour": 8, "minute": 2}
